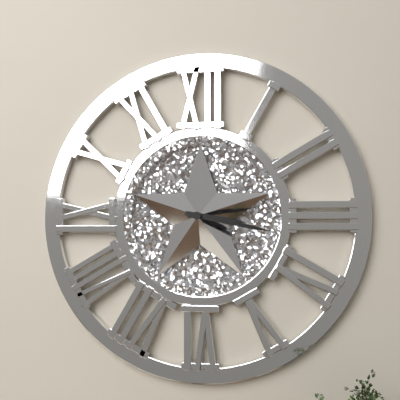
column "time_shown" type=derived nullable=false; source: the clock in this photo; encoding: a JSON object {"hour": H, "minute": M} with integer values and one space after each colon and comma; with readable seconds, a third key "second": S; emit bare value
{"hour": 3, "minute": 17}
